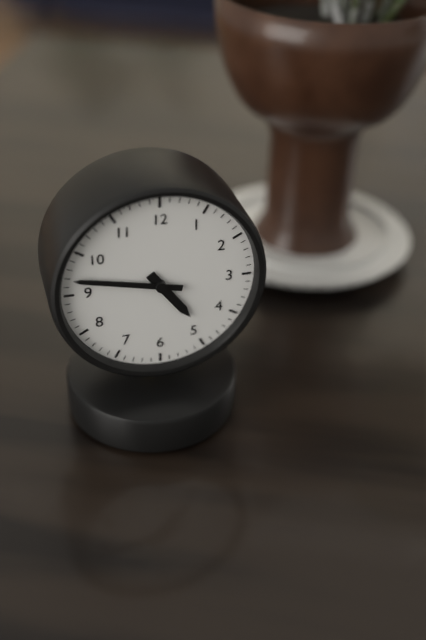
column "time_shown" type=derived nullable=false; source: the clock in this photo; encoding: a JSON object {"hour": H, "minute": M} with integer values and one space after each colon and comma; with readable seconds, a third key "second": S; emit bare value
{"hour": 4, "minute": 47}
